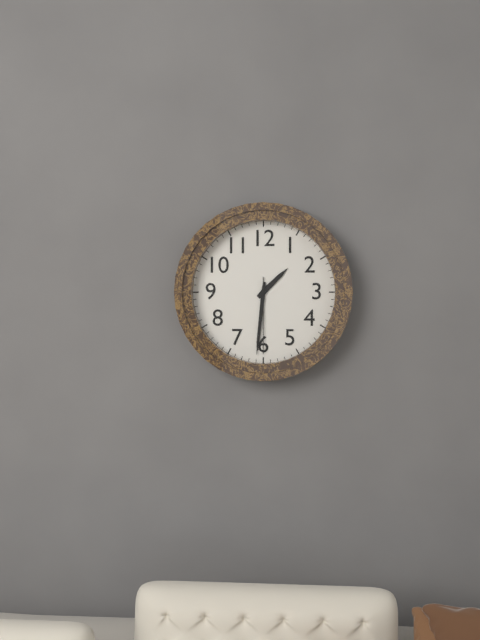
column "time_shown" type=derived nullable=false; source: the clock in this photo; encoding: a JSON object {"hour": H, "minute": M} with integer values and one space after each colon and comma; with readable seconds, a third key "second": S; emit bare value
{"hour": 1, "minute": 31, "second": 30}
